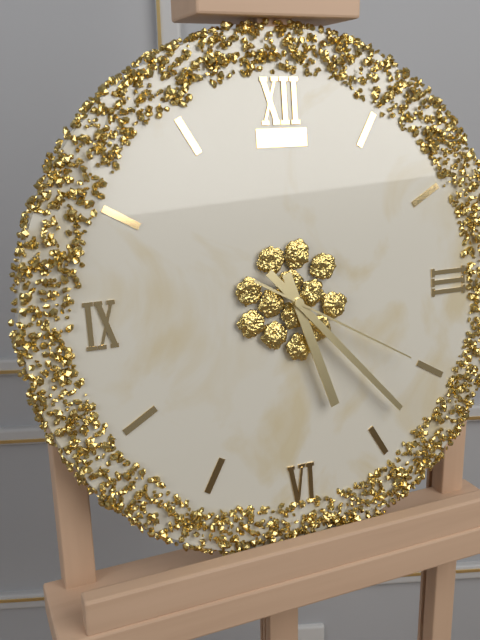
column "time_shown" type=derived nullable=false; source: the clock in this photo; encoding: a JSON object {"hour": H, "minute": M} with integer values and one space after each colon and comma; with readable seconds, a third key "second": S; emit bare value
{"hour": 5, "minute": 23, "second": 20}
